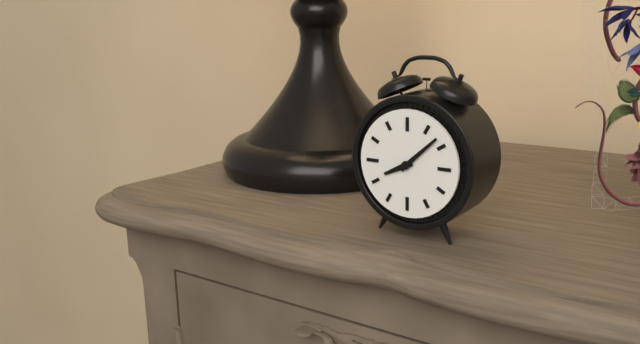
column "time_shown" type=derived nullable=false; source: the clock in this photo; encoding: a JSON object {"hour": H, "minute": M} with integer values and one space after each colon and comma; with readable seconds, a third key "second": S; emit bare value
{"hour": 8, "minute": 8}
